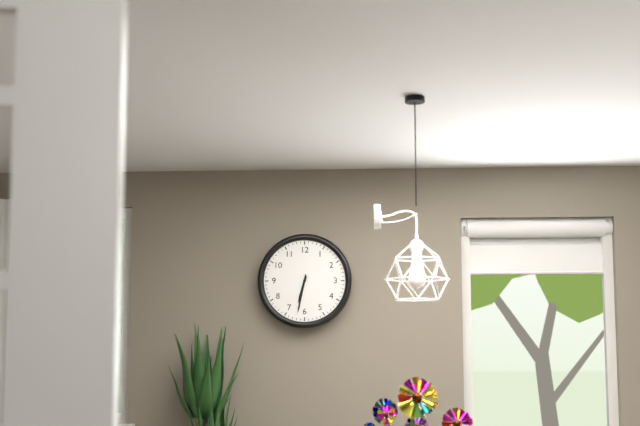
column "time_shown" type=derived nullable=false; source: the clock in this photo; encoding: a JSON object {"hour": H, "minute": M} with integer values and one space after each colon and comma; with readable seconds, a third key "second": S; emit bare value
{"hour": 6, "minute": 32}
